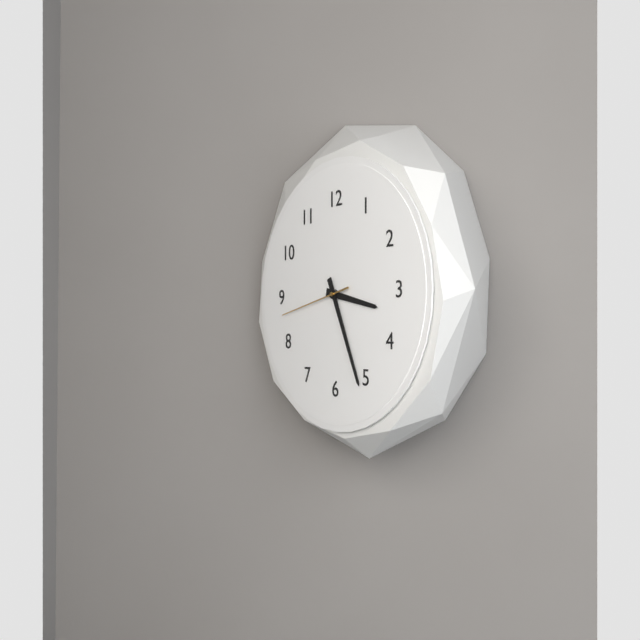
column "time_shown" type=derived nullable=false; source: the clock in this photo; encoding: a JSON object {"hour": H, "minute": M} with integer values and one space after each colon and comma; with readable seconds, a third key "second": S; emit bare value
{"hour": 3, "minute": 26, "second": 43}
